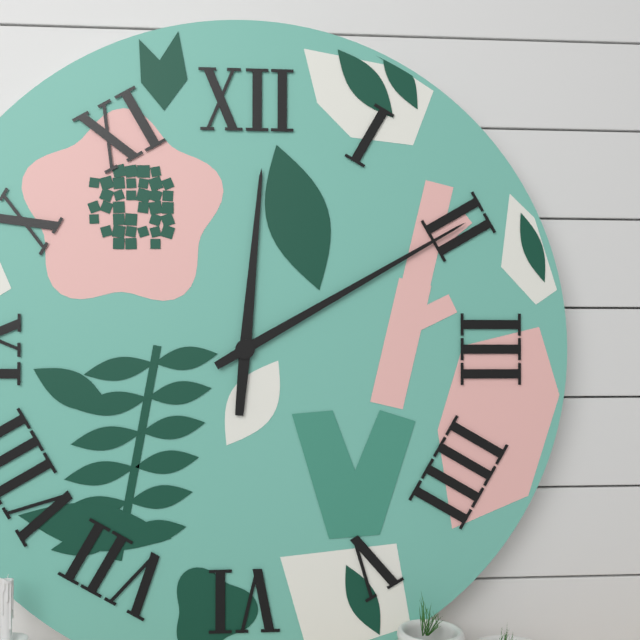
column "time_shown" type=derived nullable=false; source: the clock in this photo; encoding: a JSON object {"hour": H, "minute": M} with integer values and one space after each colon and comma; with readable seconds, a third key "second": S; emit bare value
{"hour": 12, "minute": 10}
